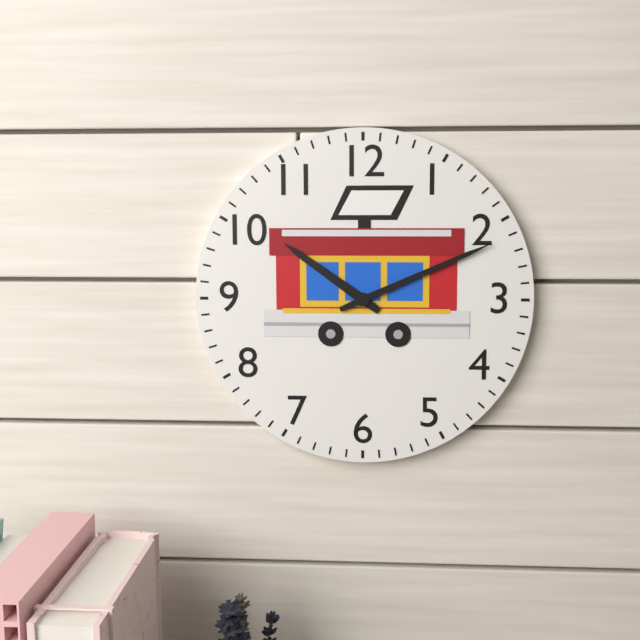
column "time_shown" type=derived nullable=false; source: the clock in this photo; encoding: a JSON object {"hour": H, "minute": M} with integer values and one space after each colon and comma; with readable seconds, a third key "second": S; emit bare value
{"hour": 10, "minute": 11}
